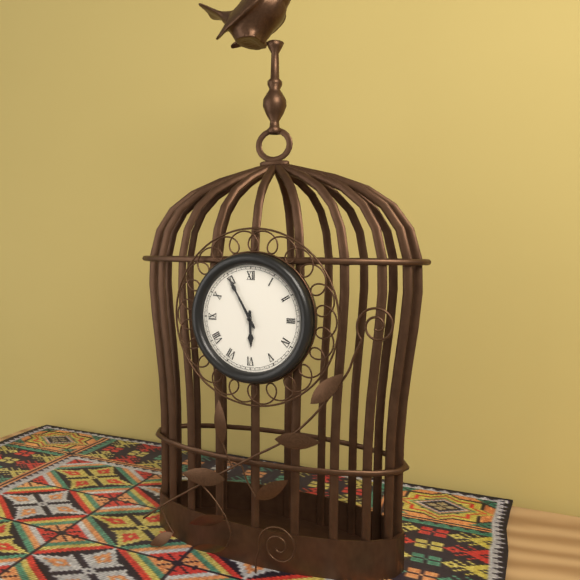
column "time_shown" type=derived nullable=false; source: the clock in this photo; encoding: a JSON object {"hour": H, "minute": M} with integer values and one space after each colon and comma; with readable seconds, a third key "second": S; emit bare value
{"hour": 5, "minute": 55}
